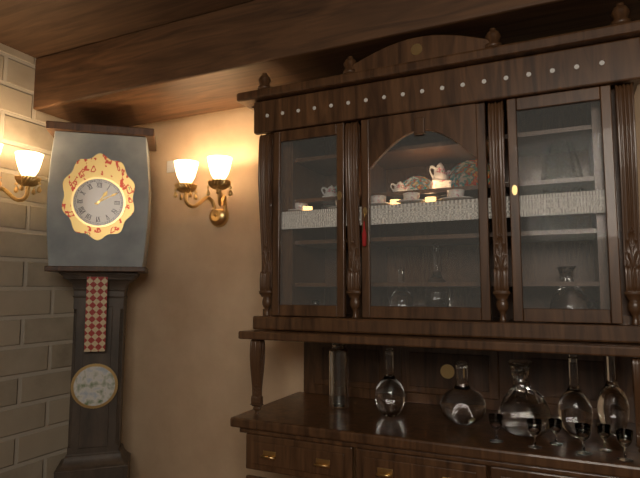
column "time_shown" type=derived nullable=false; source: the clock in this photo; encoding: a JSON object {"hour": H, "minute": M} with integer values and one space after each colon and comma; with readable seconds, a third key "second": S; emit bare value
{"hour": 1, "minute": 10}
